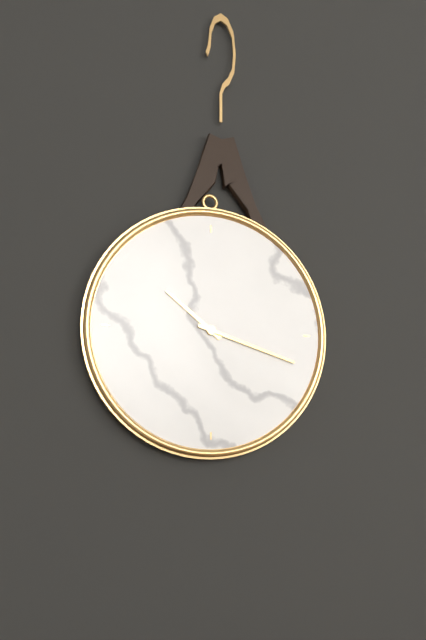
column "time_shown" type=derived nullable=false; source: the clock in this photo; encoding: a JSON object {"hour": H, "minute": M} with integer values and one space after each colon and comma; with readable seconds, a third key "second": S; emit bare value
{"hour": 10, "minute": 18}
